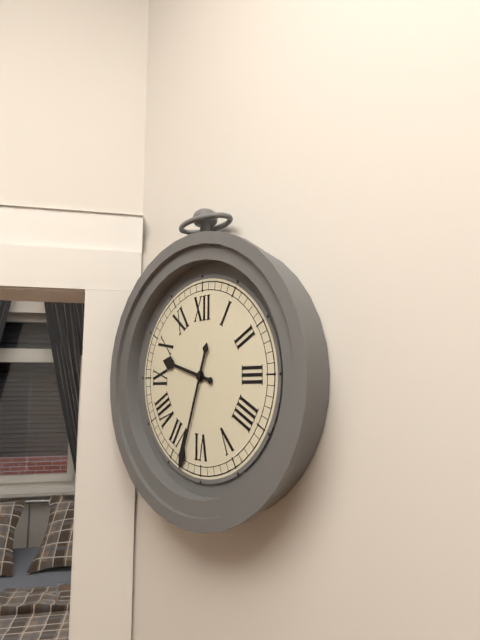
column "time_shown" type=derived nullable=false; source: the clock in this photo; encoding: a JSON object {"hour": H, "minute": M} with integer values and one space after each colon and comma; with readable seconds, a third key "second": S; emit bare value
{"hour": 9, "minute": 33}
